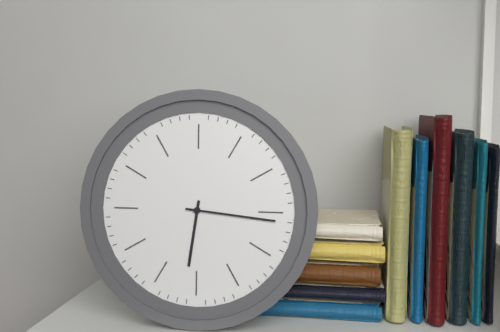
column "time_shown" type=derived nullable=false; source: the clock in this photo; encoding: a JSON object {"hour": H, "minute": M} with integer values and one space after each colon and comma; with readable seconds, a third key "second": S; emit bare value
{"hour": 6, "minute": 16}
